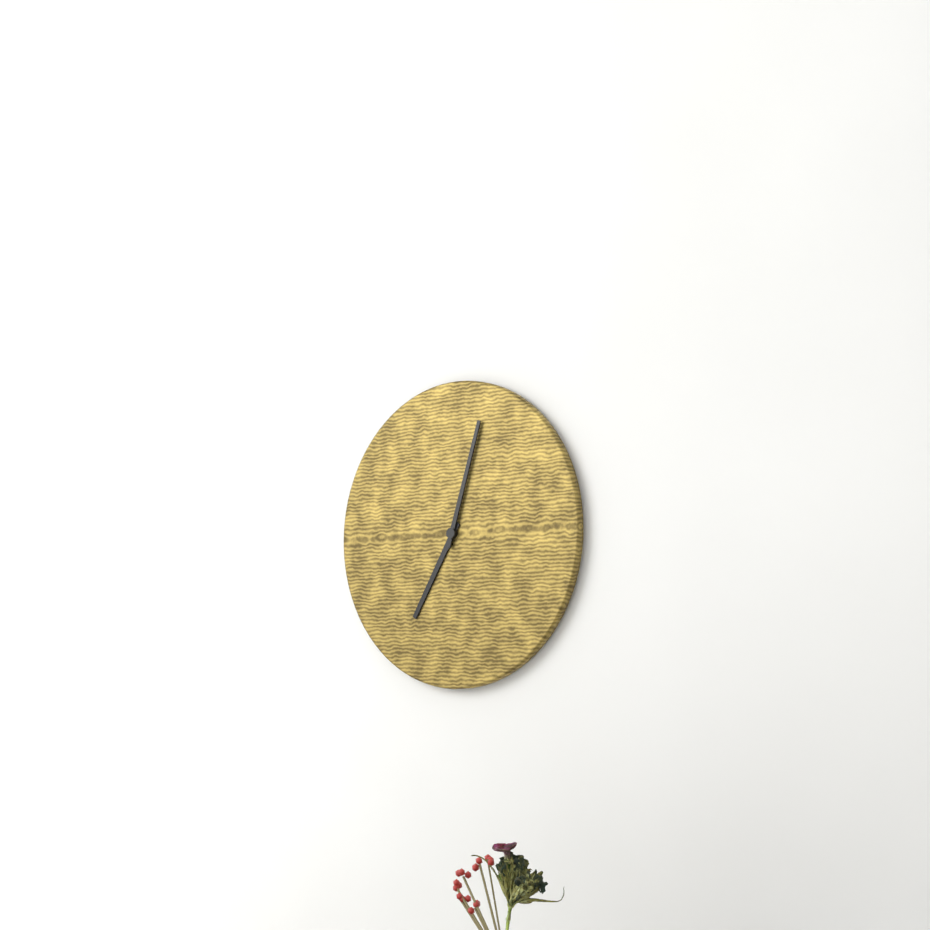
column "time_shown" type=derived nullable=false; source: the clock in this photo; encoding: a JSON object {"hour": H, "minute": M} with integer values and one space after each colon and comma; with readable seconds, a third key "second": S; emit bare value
{"hour": 7, "minute": 3}
